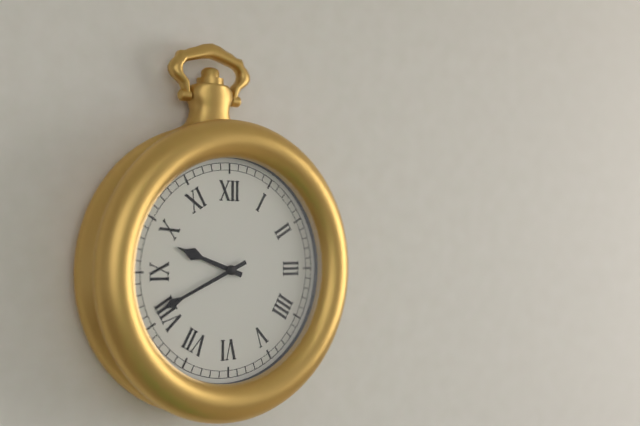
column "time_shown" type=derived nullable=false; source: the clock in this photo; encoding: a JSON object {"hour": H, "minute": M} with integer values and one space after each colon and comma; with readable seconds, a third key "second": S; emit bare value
{"hour": 9, "minute": 41}
